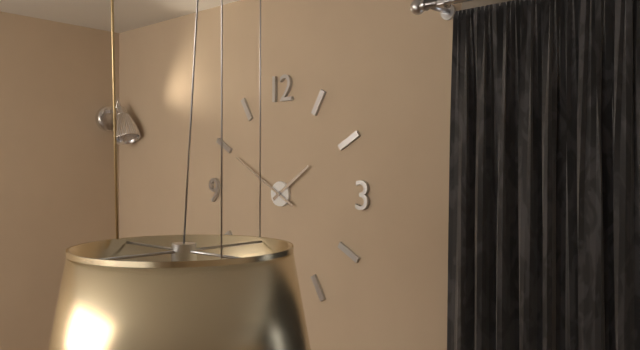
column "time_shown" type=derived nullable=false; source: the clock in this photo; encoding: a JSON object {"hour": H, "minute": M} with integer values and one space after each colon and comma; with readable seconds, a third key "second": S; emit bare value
{"hour": 1, "minute": 50}
